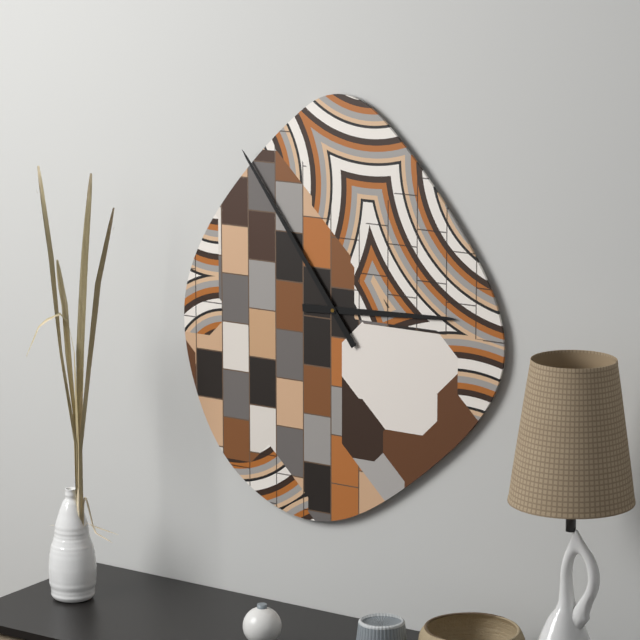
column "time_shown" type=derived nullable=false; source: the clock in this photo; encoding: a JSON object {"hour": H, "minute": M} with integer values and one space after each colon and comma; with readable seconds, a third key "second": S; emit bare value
{"hour": 2, "minute": 54}
